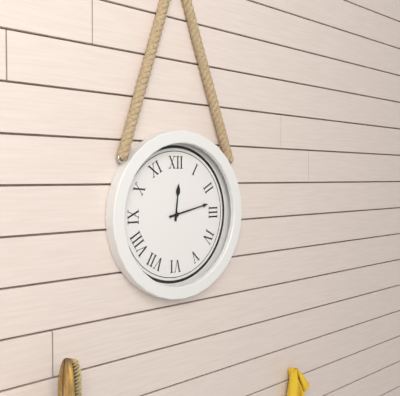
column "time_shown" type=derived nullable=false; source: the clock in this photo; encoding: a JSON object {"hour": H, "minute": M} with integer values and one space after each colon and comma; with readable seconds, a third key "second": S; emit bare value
{"hour": 12, "minute": 13}
